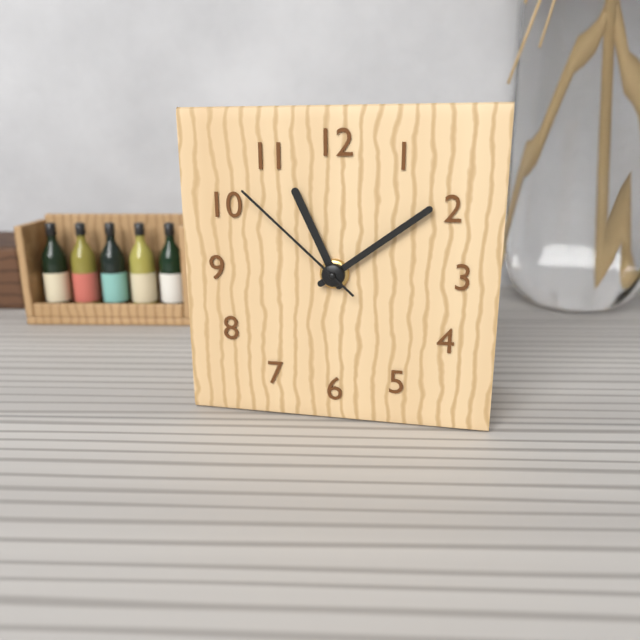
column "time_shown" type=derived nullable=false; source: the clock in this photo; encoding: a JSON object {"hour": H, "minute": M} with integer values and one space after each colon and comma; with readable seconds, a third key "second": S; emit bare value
{"hour": 11, "minute": 9, "second": 52}
